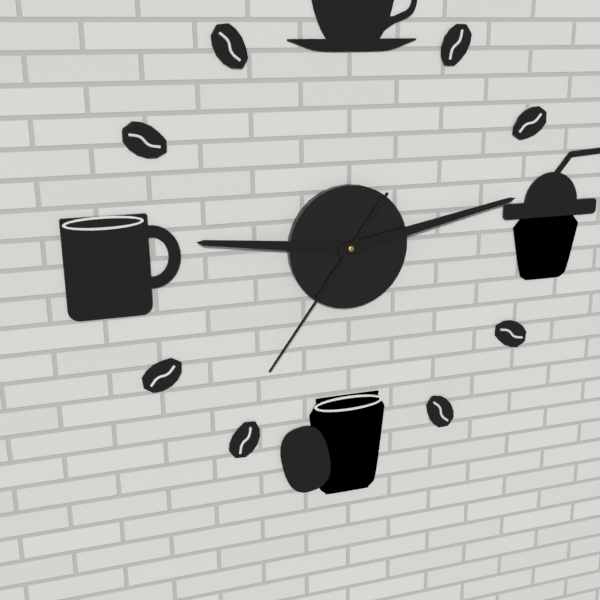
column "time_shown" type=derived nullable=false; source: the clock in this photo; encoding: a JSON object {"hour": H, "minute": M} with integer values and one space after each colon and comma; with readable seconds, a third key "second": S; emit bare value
{"hour": 9, "minute": 13, "second": 36}
